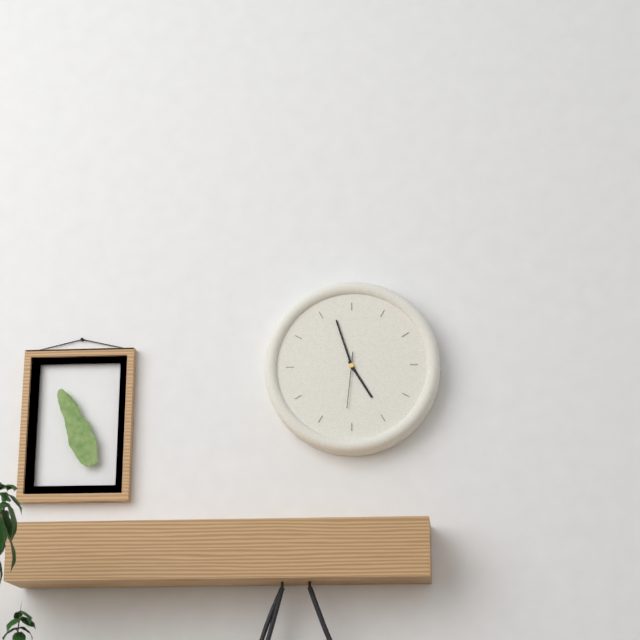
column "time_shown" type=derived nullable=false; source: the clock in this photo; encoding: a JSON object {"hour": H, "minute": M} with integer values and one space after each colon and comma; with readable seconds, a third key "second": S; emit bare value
{"hour": 4, "minute": 57, "second": 31}
